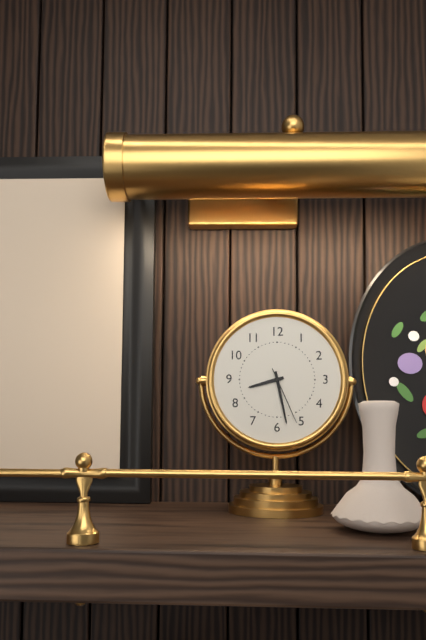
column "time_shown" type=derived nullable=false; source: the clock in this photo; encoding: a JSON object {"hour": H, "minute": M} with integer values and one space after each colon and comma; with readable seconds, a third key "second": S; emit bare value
{"hour": 8, "minute": 28, "second": 26}
